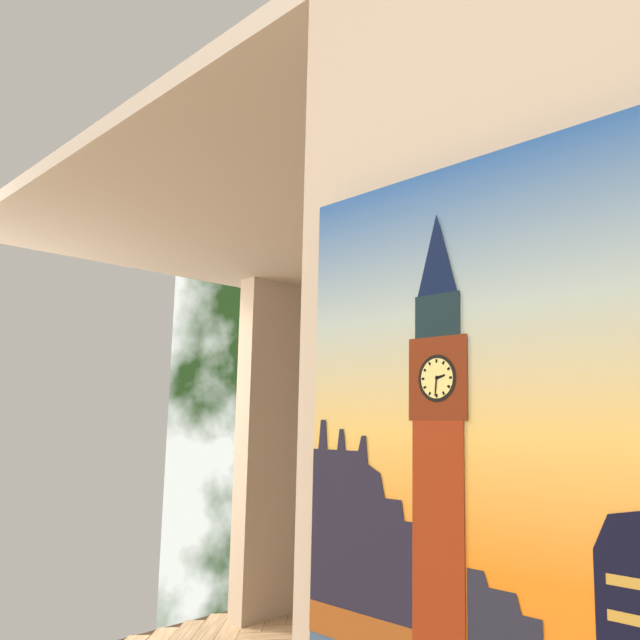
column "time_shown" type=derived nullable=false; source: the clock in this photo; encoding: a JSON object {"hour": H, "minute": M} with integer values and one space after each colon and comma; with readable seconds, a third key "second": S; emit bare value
{"hour": 2, "minute": 31}
